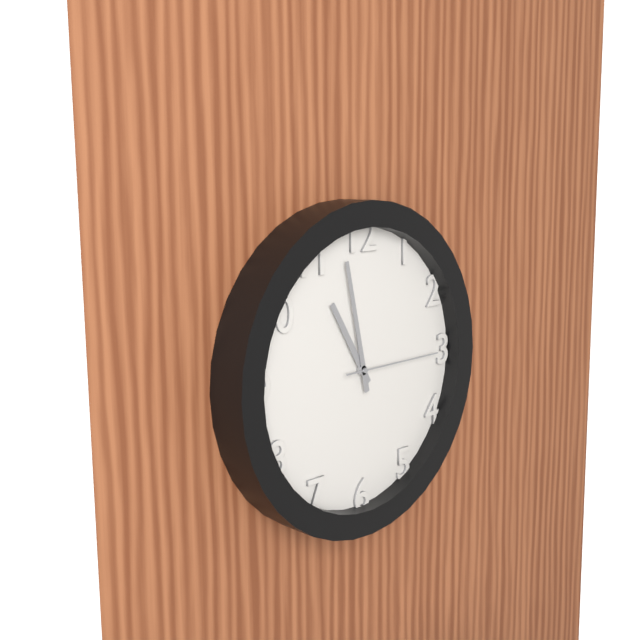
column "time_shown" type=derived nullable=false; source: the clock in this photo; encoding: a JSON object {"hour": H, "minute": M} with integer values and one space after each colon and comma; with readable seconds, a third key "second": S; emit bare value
{"hour": 10, "minute": 58, "second": 15}
